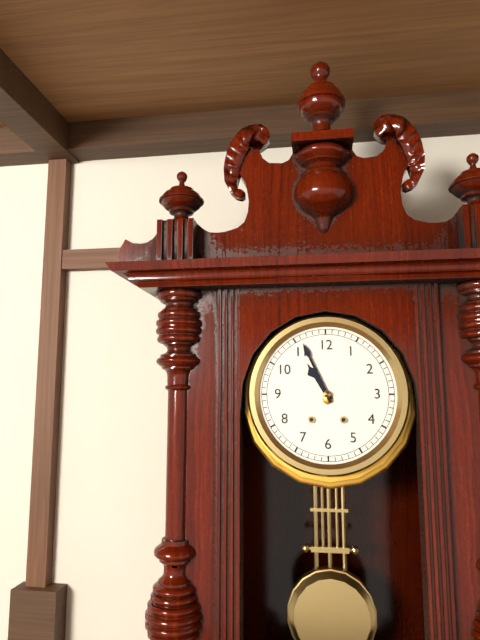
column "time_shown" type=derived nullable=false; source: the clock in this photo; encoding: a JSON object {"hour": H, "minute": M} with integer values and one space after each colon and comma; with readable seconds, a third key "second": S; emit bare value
{"hour": 10, "minute": 56}
